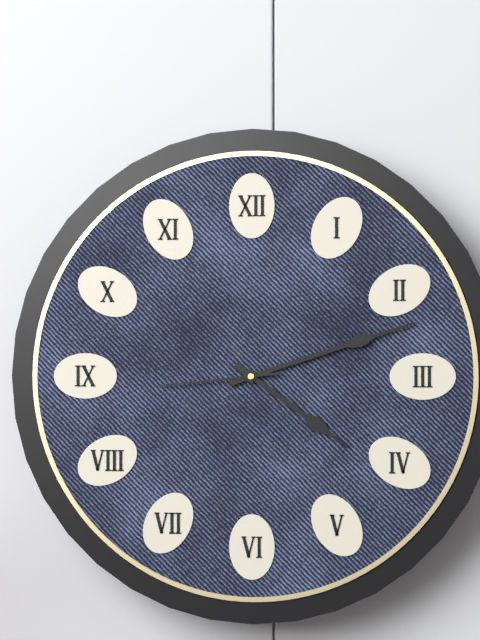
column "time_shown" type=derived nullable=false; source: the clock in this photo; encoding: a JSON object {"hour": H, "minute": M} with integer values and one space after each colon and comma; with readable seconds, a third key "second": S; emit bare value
{"hour": 4, "minute": 12, "second": 44}
